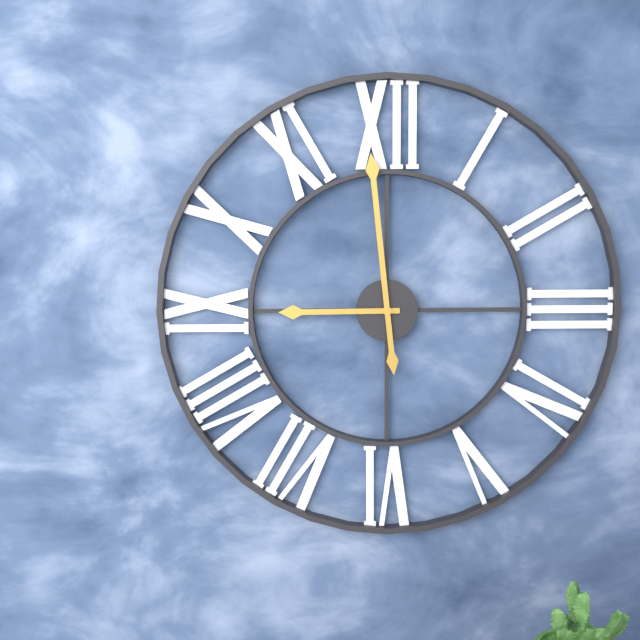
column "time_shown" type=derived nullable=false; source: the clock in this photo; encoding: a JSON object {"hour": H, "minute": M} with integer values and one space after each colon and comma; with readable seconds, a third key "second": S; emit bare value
{"hour": 8, "minute": 59}
